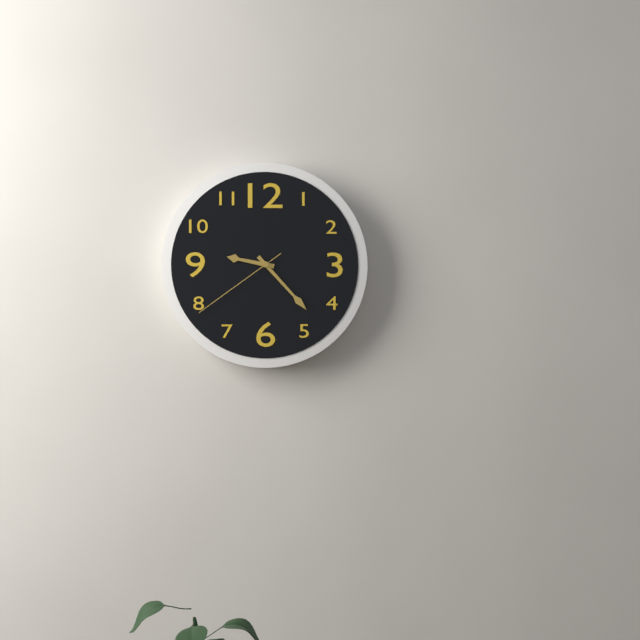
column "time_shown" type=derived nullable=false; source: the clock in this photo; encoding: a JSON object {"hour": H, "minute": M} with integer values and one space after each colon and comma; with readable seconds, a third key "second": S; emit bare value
{"hour": 9, "minute": 23, "second": 39}
